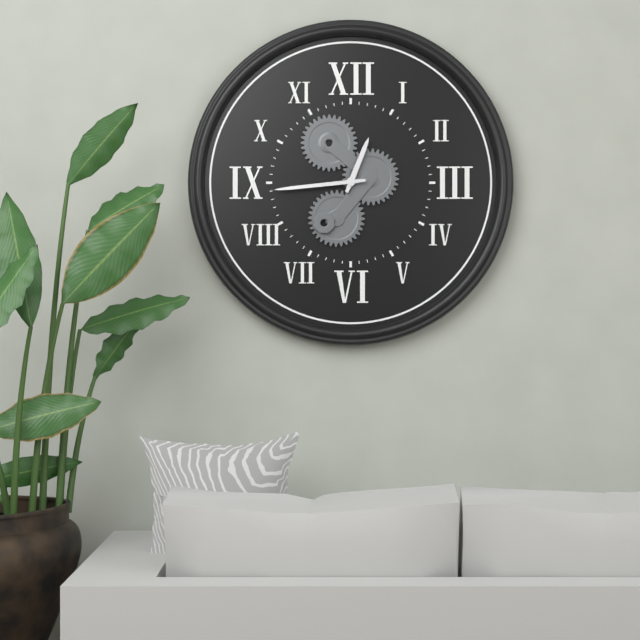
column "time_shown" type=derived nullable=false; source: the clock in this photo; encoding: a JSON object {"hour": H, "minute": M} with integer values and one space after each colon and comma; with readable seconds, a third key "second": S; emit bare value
{"hour": 12, "minute": 44}
